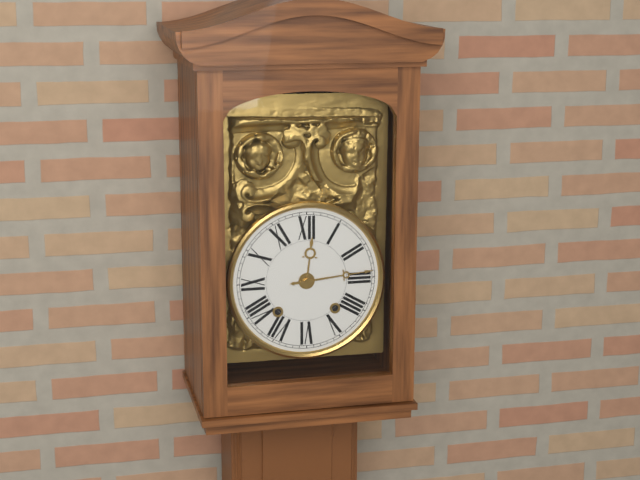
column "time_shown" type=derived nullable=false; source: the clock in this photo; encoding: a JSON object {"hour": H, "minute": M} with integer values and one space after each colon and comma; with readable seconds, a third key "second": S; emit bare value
{"hour": 12, "minute": 14}
